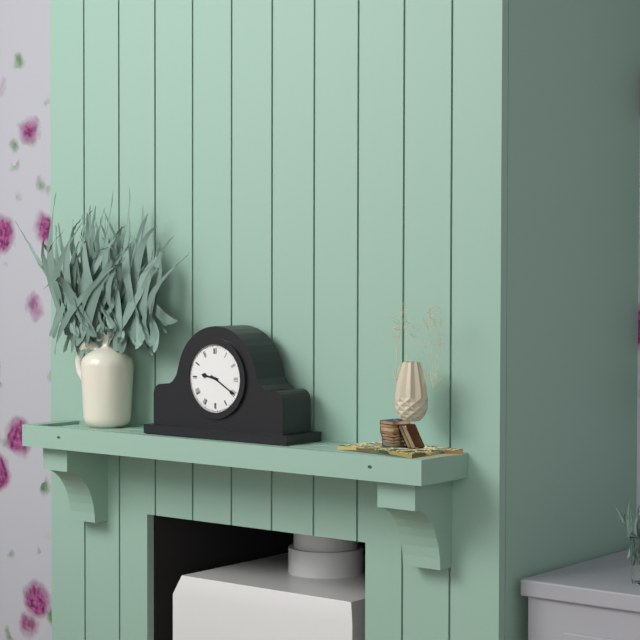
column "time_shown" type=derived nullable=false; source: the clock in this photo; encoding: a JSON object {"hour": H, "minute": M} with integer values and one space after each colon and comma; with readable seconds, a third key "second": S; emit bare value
{"hour": 9, "minute": 20}
